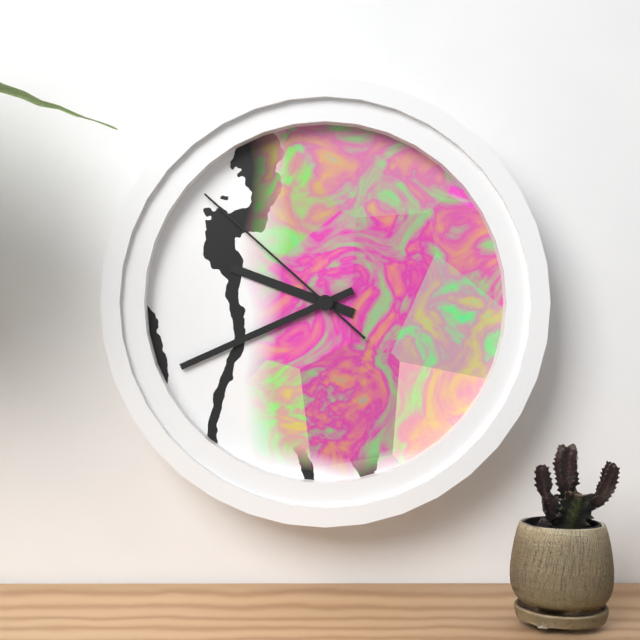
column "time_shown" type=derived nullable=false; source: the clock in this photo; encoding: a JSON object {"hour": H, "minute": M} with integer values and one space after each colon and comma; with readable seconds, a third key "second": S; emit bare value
{"hour": 9, "minute": 41, "second": 52}
